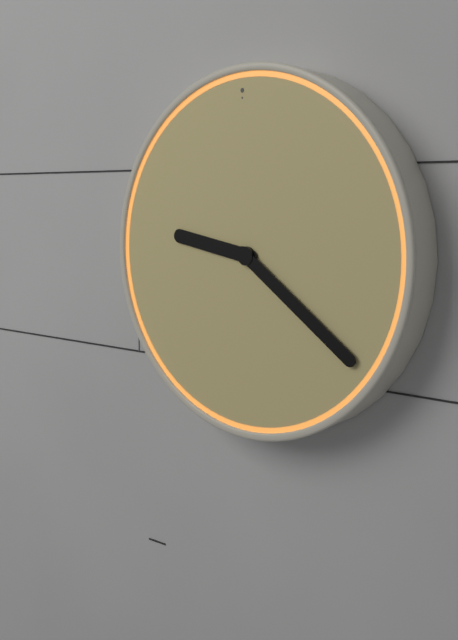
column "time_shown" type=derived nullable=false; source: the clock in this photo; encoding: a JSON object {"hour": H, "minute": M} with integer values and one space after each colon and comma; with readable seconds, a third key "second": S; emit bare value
{"hour": 9, "minute": 21}
